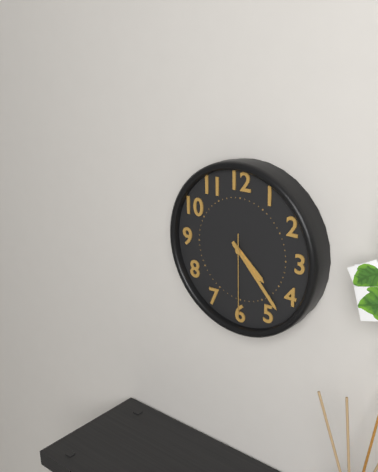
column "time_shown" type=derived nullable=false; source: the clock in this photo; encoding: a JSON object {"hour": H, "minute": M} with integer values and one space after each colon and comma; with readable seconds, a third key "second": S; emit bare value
{"hour": 4, "minute": 23, "second": 30}
